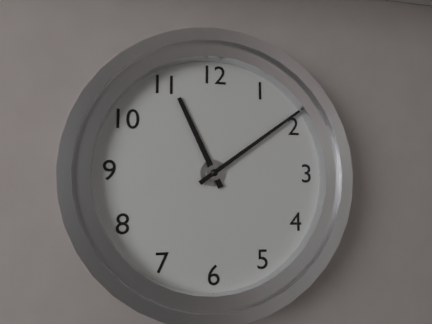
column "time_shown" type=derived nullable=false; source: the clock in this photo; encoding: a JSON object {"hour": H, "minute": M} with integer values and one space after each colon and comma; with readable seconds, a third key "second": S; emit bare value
{"hour": 11, "minute": 9}
